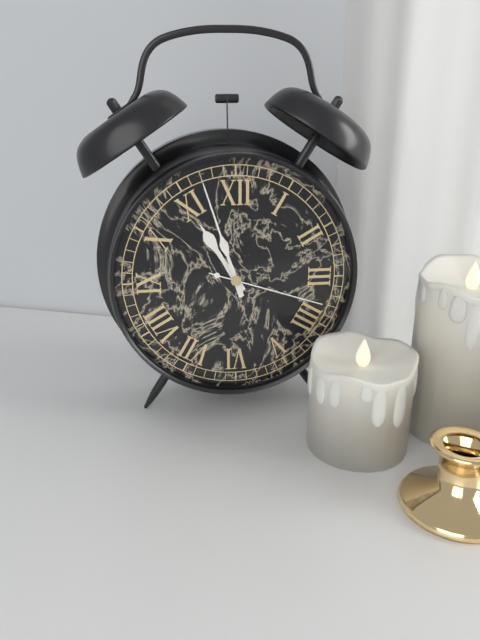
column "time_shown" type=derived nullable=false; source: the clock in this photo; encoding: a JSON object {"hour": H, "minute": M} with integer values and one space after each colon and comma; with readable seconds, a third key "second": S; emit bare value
{"hour": 10, "minute": 57, "second": 18}
